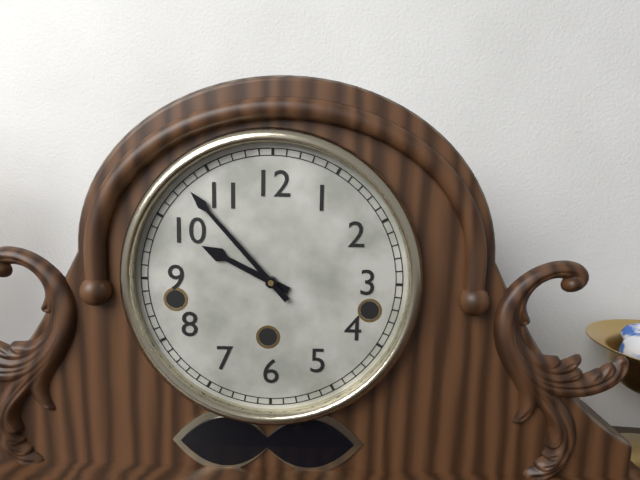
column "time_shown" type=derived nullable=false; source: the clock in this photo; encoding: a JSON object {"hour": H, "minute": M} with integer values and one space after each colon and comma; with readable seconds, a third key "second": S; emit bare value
{"hour": 9, "minute": 53}
